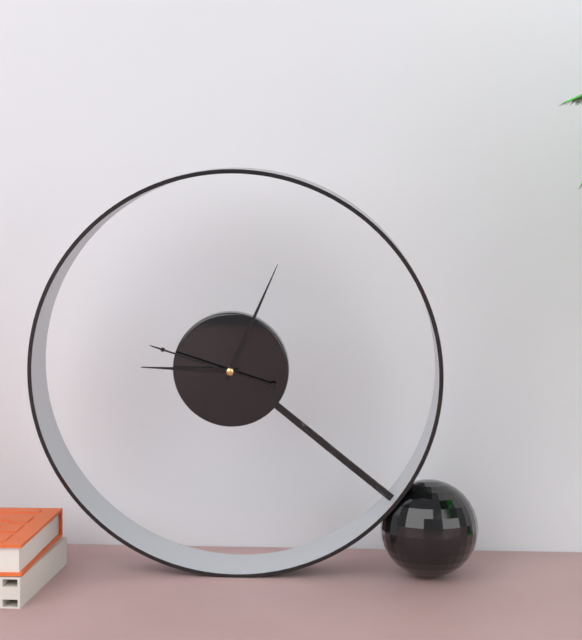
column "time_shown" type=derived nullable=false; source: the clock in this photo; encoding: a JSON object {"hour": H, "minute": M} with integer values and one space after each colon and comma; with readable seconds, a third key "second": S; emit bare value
{"hour": 9, "minute": 4, "second": 48}
